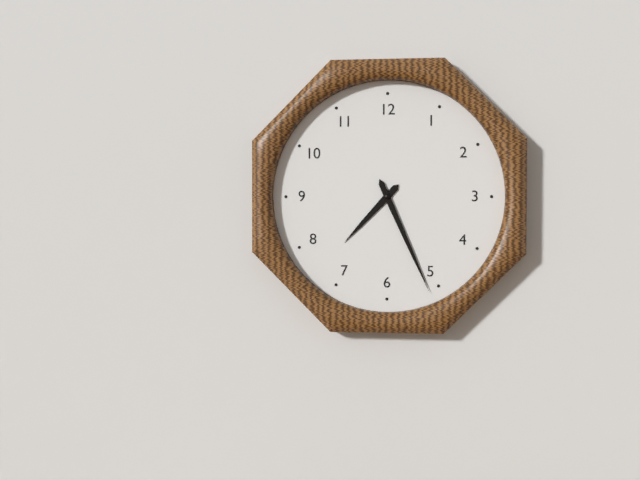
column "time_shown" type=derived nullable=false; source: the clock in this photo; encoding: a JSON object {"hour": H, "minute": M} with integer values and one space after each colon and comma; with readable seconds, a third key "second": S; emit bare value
{"hour": 7, "minute": 26}
